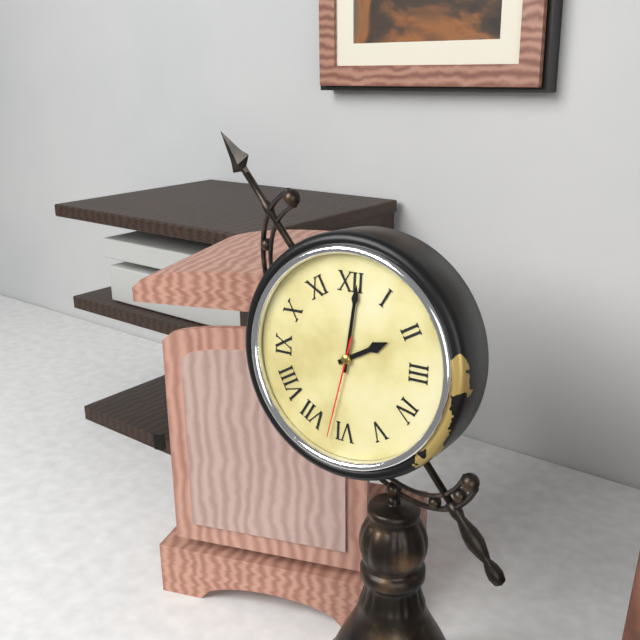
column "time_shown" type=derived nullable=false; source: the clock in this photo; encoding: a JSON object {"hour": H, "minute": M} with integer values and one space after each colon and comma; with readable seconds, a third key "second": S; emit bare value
{"hour": 2, "minute": 1, "second": 32}
